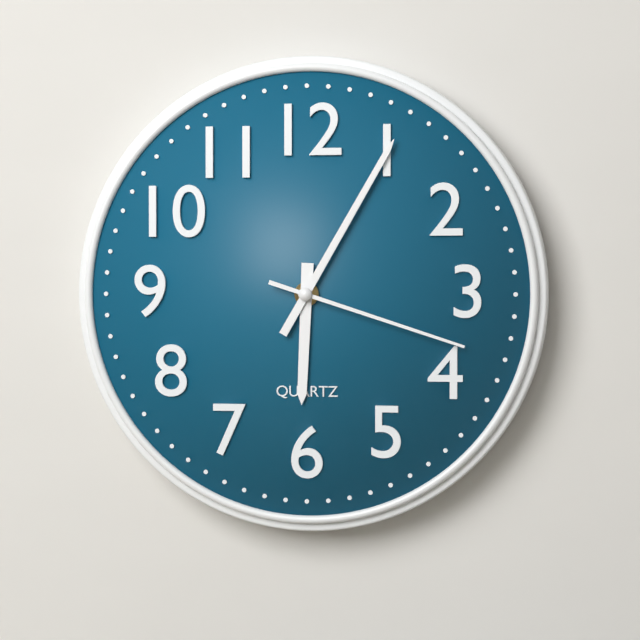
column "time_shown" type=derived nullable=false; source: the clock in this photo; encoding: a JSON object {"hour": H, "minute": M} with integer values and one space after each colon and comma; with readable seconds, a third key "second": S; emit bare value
{"hour": 6, "minute": 5, "second": 18}
